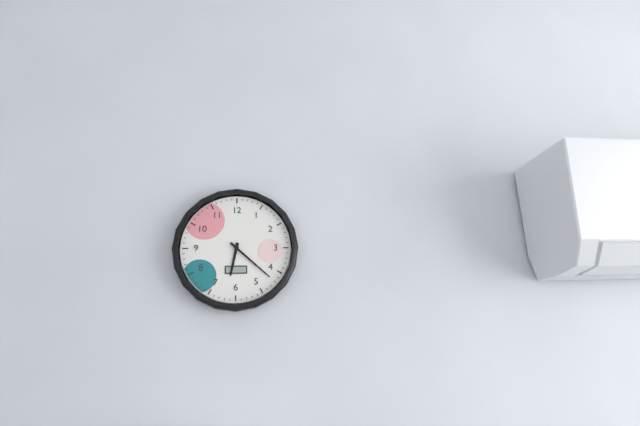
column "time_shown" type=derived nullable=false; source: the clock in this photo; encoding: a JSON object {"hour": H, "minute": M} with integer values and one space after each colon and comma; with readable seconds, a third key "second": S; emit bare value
{"hour": 6, "minute": 22}
